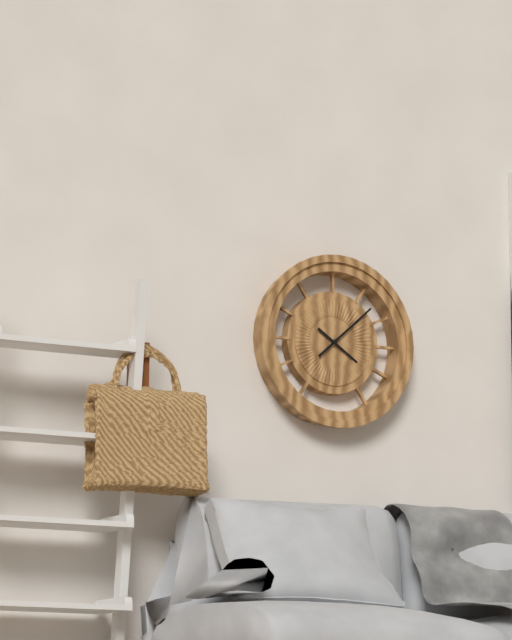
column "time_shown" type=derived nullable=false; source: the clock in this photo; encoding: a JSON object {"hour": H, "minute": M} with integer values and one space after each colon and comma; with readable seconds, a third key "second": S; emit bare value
{"hour": 4, "minute": 8}
